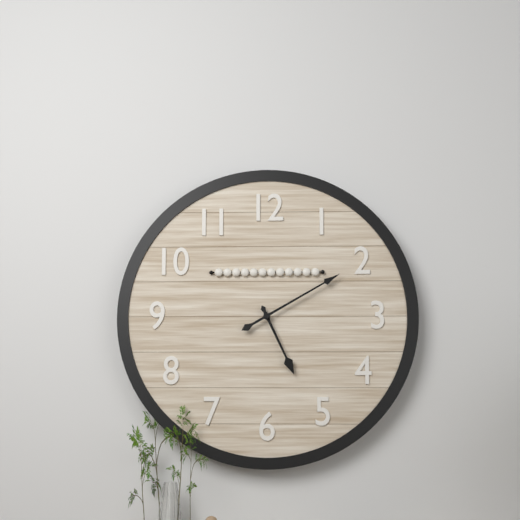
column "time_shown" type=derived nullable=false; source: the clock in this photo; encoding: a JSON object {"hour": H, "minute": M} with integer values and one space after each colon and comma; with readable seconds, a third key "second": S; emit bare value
{"hour": 5, "minute": 10}
